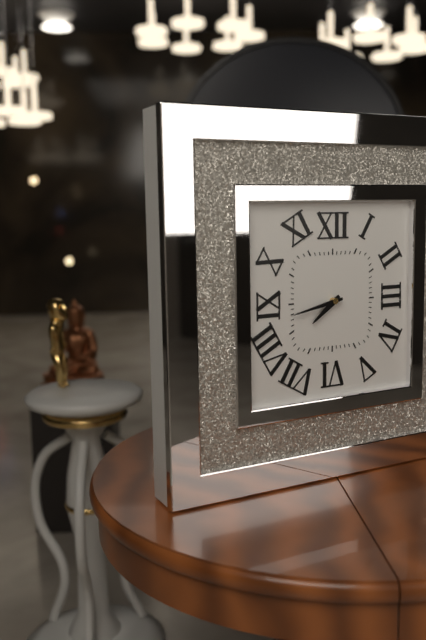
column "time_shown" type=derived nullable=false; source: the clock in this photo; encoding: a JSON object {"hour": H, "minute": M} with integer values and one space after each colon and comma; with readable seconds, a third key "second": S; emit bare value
{"hour": 7, "minute": 43}
